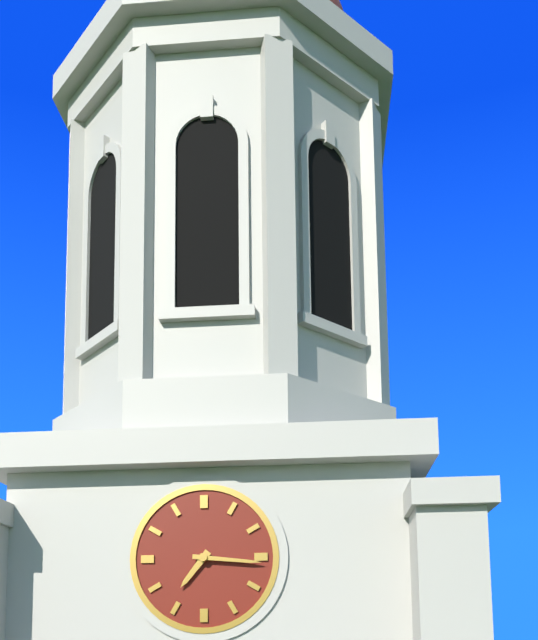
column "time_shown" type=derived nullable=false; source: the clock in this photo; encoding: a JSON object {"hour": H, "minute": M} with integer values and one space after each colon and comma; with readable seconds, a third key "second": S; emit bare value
{"hour": 7, "minute": 16}
